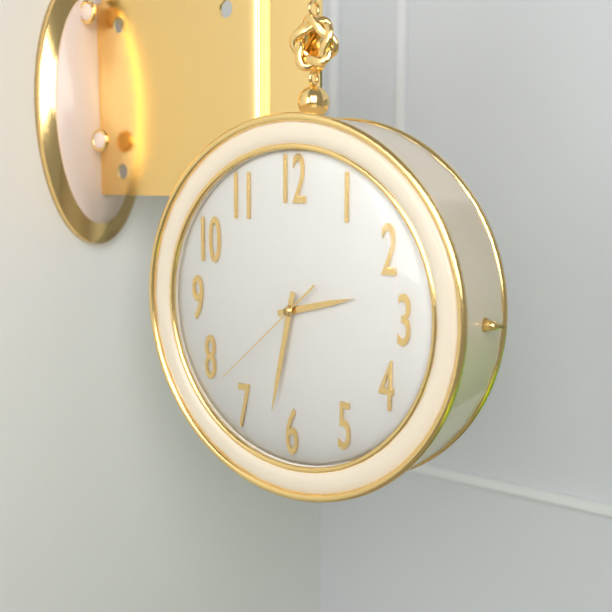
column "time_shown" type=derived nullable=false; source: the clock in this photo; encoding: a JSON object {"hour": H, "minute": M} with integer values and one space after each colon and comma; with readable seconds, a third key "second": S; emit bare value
{"hour": 2, "minute": 32, "second": 38}
